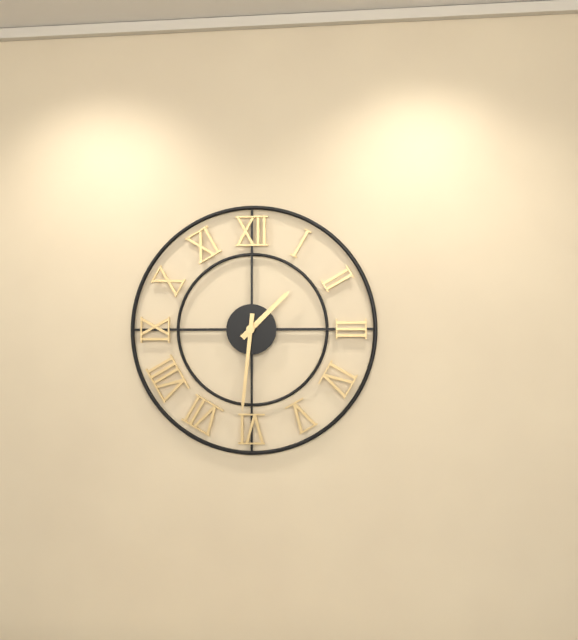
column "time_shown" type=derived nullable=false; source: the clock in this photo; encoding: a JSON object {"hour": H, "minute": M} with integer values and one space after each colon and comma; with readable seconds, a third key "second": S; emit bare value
{"hour": 1, "minute": 31}
